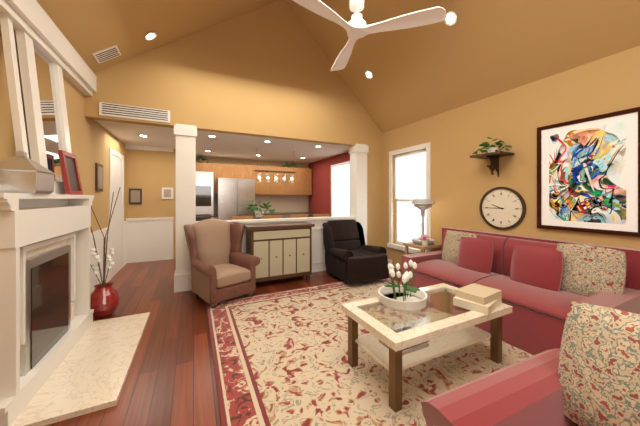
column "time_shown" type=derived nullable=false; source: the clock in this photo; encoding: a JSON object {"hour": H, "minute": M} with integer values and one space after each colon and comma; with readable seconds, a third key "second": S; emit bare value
{"hour": 9, "minute": 45}
